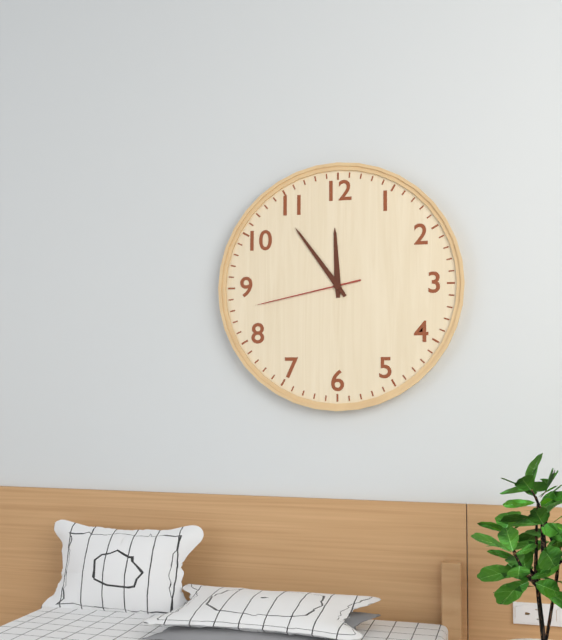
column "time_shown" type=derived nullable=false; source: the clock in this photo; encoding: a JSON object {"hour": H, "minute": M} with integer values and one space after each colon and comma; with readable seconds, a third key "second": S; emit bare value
{"hour": 11, "minute": 54, "second": 43}
